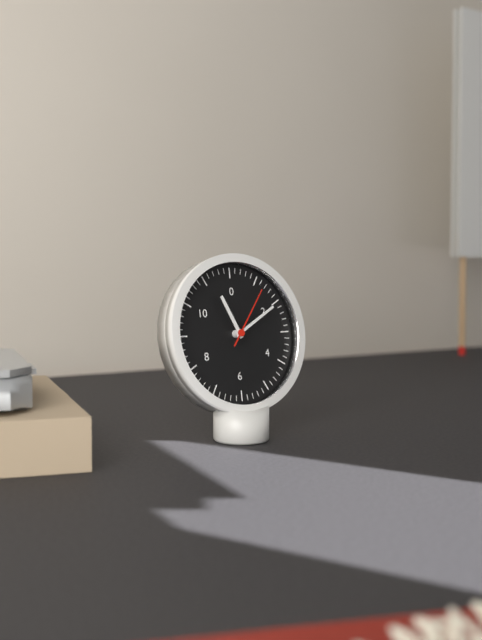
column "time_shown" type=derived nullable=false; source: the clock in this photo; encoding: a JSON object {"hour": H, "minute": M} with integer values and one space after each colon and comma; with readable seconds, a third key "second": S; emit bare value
{"hour": 11, "minute": 10, "second": 6}
